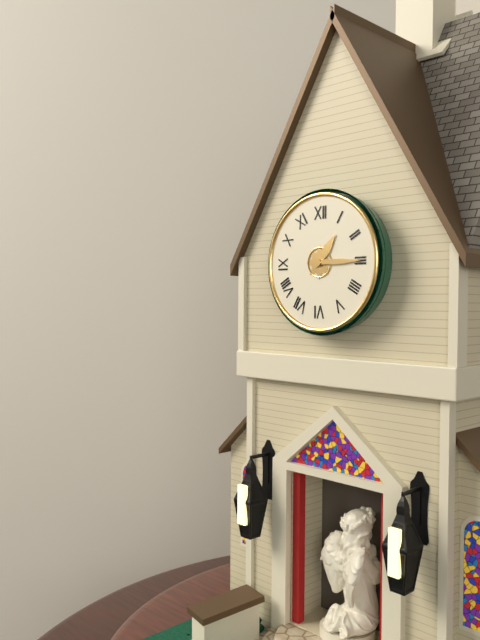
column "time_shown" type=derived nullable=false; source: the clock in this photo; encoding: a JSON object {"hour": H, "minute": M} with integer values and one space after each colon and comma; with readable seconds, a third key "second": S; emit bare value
{"hour": 1, "minute": 15}
